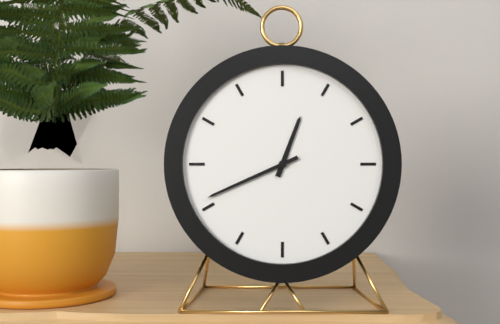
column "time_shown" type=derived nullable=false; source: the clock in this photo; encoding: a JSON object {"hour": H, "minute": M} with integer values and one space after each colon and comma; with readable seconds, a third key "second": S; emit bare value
{"hour": 12, "minute": 41}
